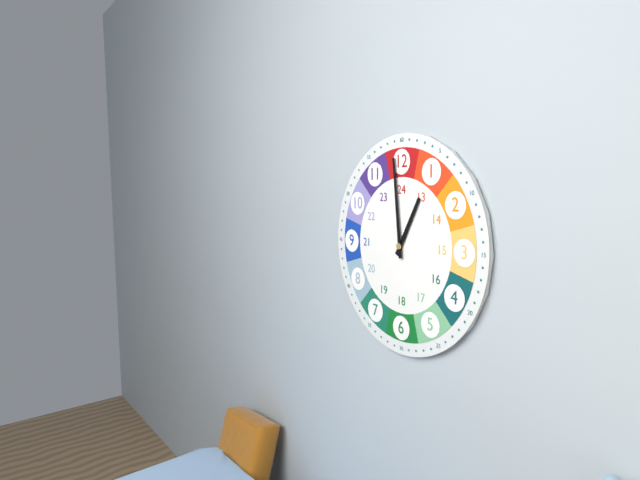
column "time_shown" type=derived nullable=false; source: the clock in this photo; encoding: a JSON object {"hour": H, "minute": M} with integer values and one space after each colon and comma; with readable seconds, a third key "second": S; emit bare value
{"hour": 12, "minute": 59}
